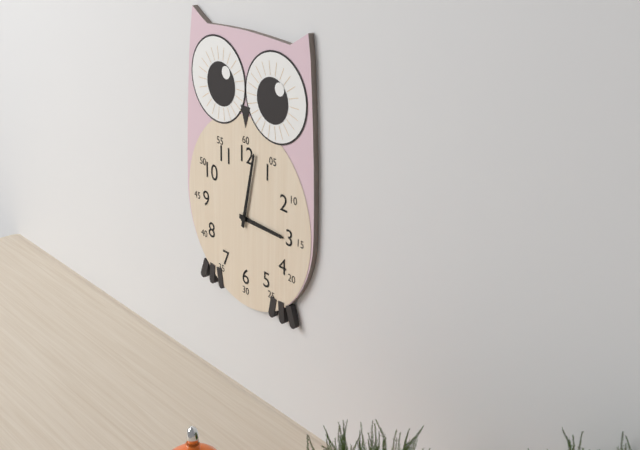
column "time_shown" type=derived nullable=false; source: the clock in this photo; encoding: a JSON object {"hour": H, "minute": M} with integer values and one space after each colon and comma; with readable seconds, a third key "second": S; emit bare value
{"hour": 3, "minute": 2}
